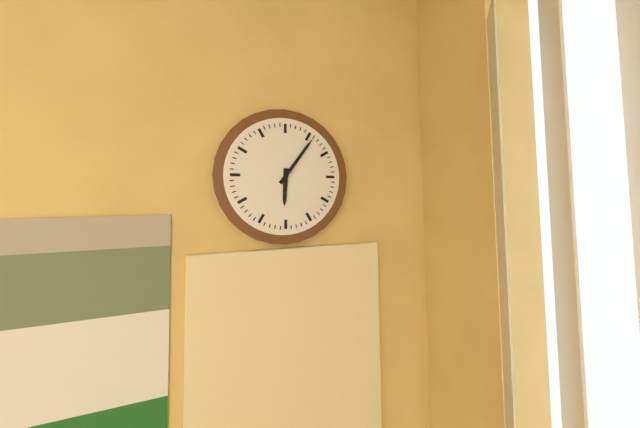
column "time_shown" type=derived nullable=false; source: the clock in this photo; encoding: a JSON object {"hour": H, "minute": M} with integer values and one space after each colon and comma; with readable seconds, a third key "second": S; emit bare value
{"hour": 6, "minute": 6}
